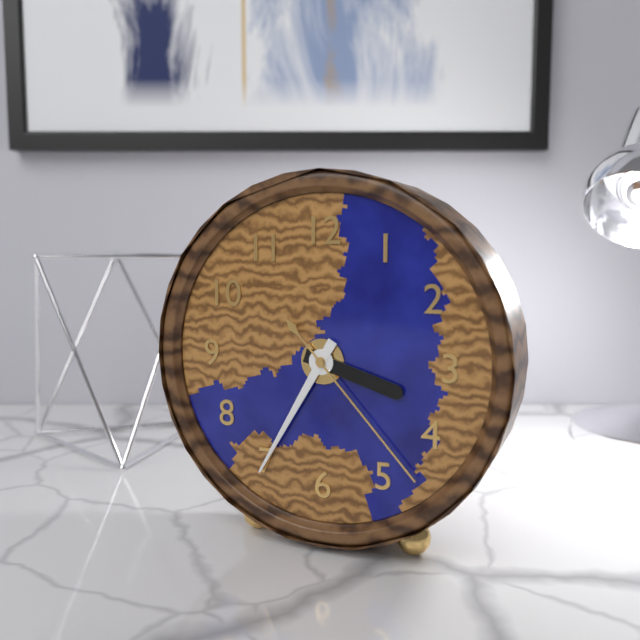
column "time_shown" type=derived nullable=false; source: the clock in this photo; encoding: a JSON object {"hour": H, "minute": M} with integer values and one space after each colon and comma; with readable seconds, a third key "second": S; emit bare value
{"hour": 3, "minute": 35, "second": 23}
